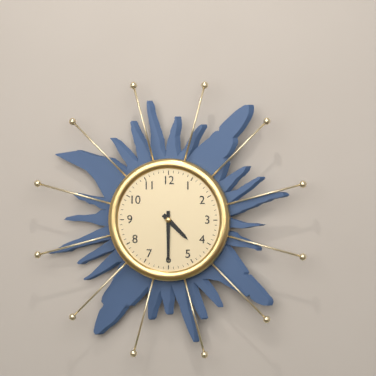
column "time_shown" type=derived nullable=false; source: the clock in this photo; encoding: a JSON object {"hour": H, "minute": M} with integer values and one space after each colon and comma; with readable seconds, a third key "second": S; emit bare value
{"hour": 4, "minute": 30}
